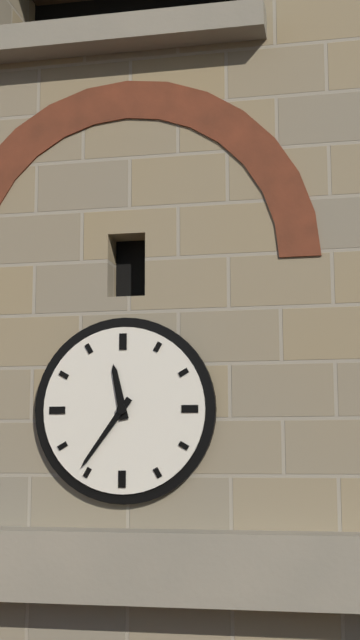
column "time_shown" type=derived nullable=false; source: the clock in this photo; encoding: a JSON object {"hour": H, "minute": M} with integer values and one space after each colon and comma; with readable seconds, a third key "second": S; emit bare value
{"hour": 11, "minute": 36}
